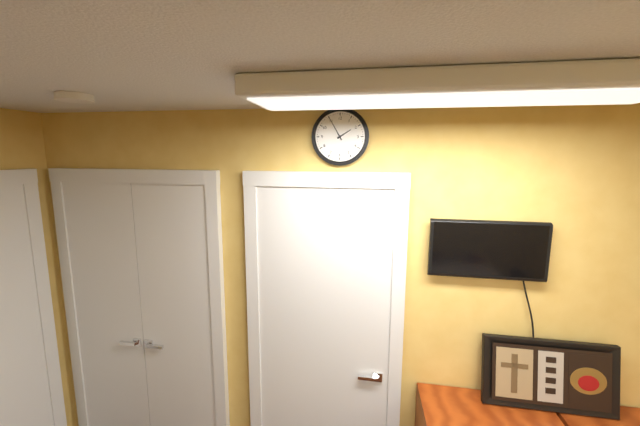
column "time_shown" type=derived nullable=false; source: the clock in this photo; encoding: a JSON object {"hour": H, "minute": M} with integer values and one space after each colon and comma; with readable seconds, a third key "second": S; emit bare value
{"hour": 1, "minute": 55}
